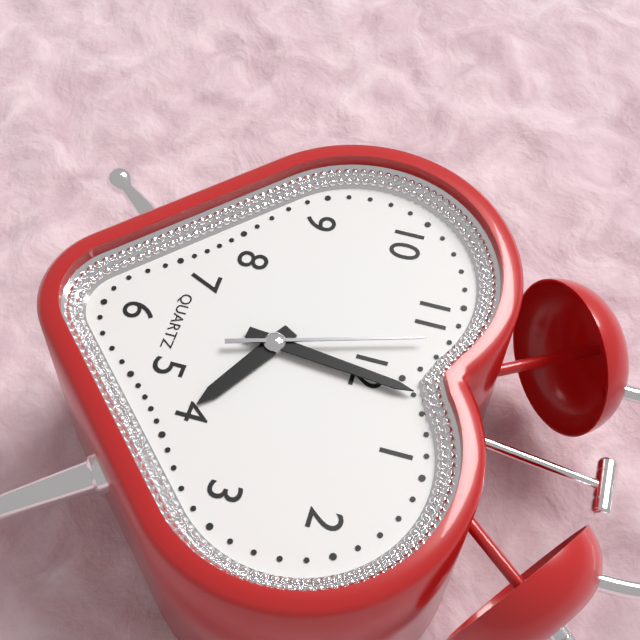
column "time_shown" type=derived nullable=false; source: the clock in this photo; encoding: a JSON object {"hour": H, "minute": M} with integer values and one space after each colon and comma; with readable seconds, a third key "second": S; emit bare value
{"hour": 4, "minute": 1, "second": 57}
